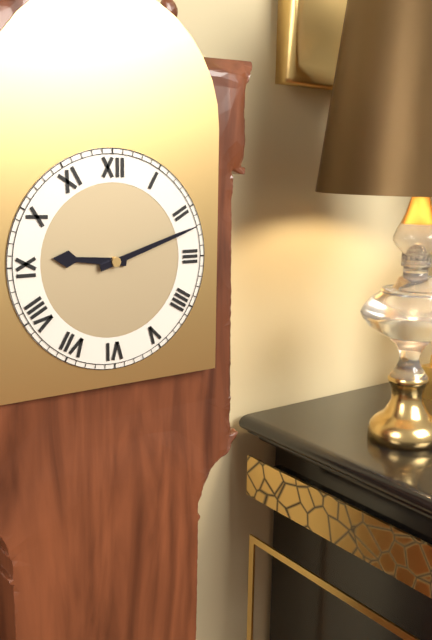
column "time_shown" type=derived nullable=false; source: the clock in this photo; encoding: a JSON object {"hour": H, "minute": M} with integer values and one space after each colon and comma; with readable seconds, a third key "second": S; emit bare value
{"hour": 9, "minute": 12}
